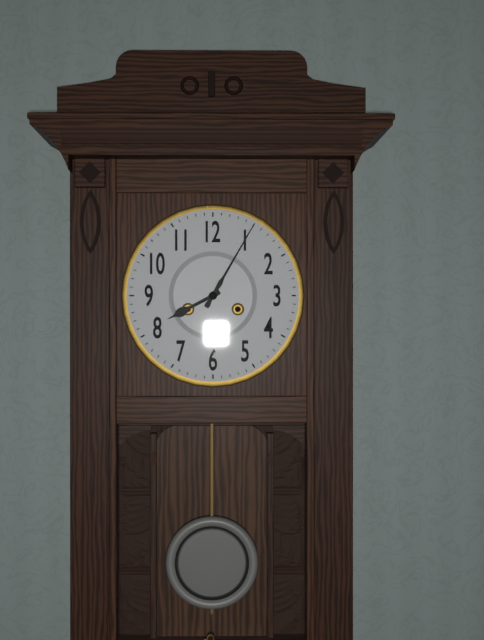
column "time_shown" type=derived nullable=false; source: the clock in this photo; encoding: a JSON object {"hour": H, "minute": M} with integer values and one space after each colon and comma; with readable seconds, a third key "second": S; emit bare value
{"hour": 8, "minute": 5}
